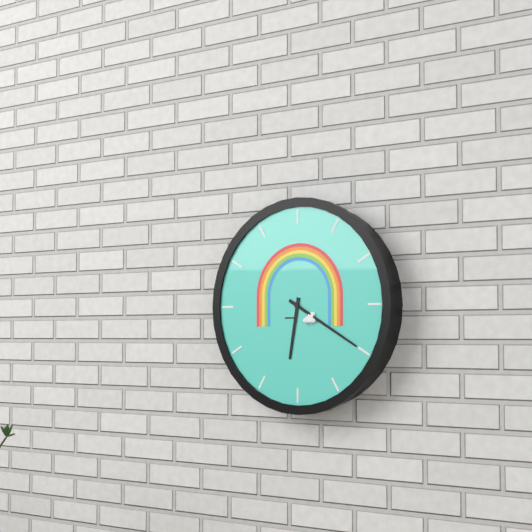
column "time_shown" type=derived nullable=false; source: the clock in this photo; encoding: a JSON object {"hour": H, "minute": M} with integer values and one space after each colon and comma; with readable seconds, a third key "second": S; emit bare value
{"hour": 6, "minute": 20}
